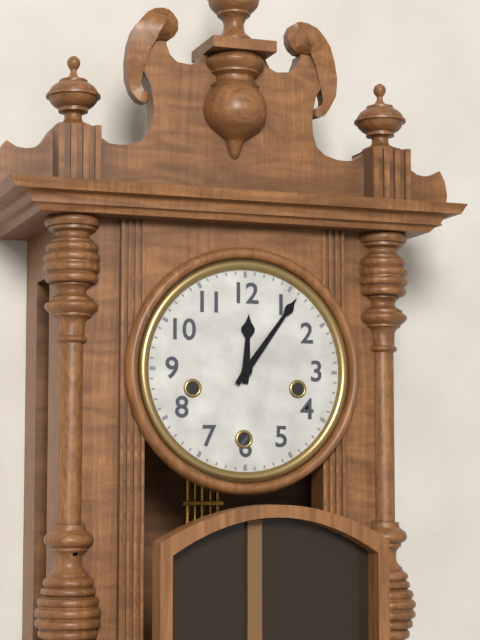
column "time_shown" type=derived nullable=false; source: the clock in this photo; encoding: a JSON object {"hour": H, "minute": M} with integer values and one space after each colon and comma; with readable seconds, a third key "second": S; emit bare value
{"hour": 12, "minute": 6}
